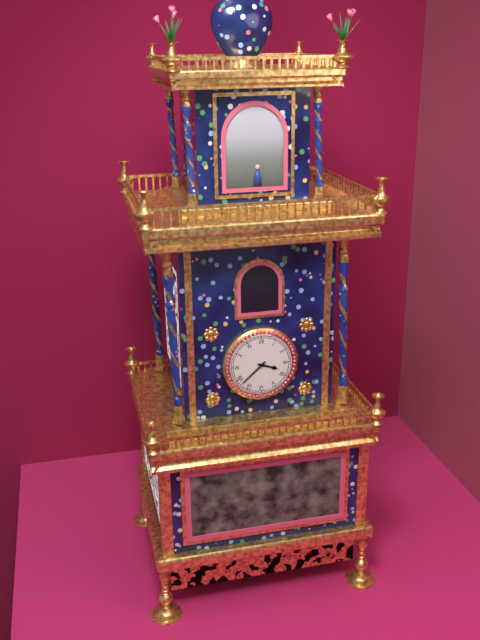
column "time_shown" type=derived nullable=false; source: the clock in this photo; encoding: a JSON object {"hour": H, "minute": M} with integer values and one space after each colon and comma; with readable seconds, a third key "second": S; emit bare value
{"hour": 3, "minute": 38}
